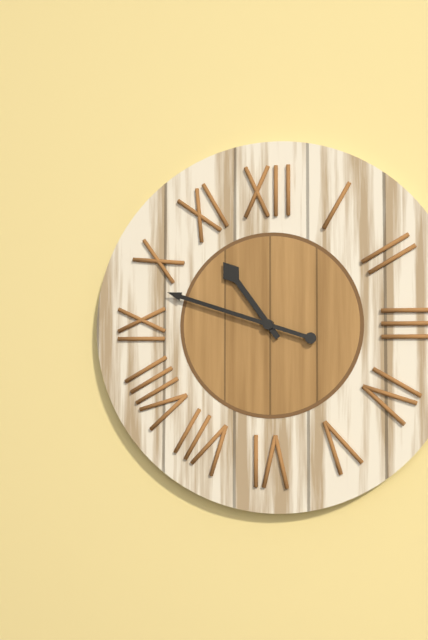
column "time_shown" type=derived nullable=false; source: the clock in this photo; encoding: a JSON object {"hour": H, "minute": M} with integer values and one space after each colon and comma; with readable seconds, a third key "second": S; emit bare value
{"hour": 10, "minute": 48}
